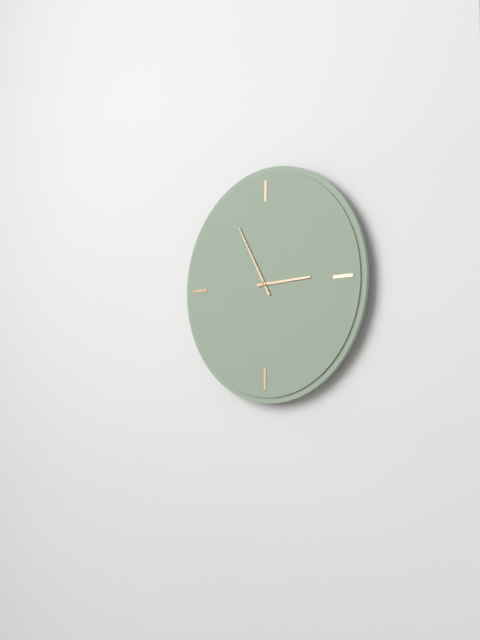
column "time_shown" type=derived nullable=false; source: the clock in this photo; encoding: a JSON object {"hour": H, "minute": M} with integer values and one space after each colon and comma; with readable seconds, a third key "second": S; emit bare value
{"hour": 2, "minute": 55}
